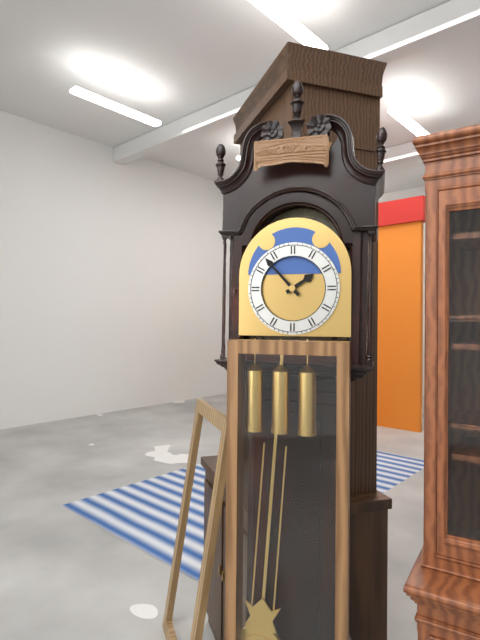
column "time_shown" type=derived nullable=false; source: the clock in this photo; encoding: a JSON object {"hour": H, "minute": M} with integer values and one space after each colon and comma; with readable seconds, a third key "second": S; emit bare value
{"hour": 1, "minute": 53}
